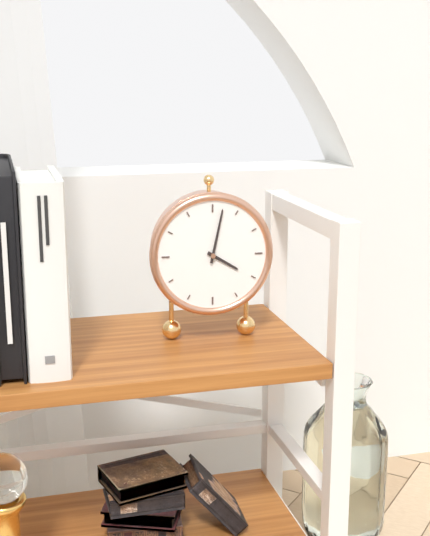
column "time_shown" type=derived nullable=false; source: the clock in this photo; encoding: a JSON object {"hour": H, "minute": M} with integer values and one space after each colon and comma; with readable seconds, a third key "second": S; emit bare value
{"hour": 4, "minute": 2}
